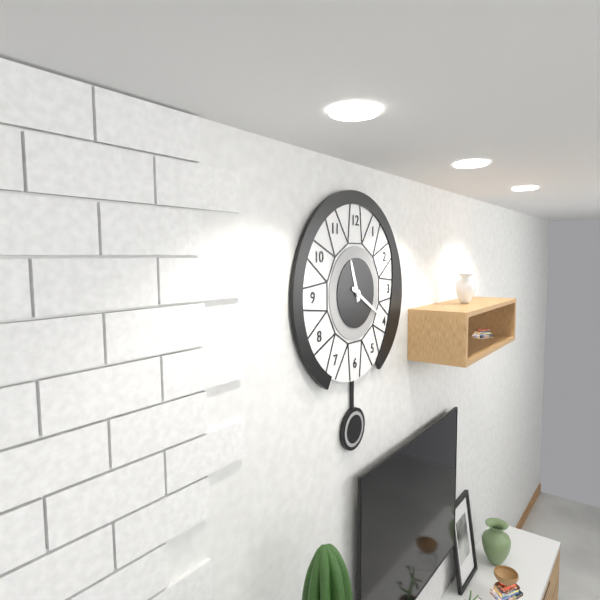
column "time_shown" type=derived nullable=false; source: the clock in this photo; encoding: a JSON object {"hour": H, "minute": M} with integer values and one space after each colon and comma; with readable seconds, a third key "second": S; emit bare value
{"hour": 11, "minute": 20}
